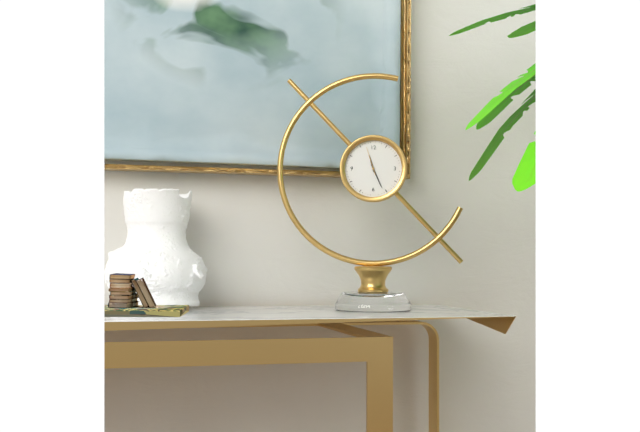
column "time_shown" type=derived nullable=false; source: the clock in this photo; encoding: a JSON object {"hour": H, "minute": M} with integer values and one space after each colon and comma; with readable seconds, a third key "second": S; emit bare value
{"hour": 11, "minute": 26}
